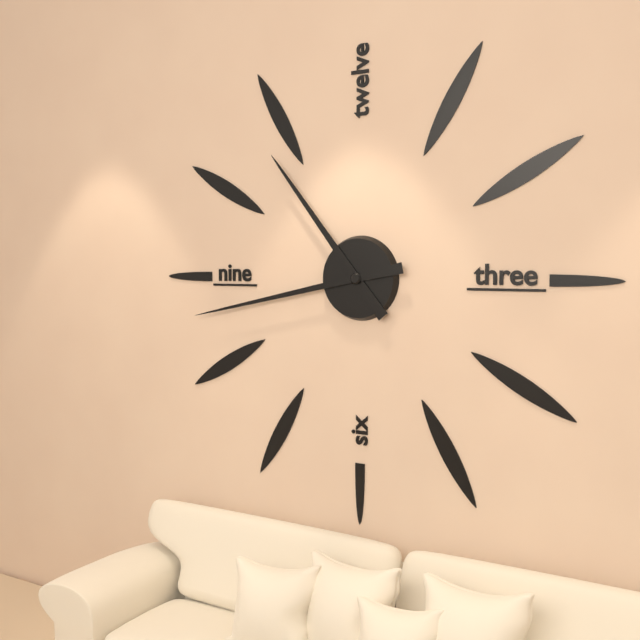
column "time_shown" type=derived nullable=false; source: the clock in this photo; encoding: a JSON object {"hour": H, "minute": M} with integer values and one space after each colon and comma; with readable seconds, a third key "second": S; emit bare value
{"hour": 10, "minute": 43}
